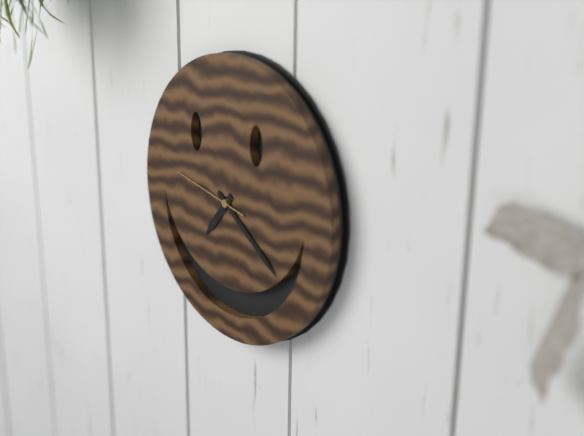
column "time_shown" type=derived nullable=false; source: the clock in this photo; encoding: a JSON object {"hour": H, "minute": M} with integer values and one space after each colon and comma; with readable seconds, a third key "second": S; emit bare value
{"hour": 7, "minute": 21, "second": 47}
